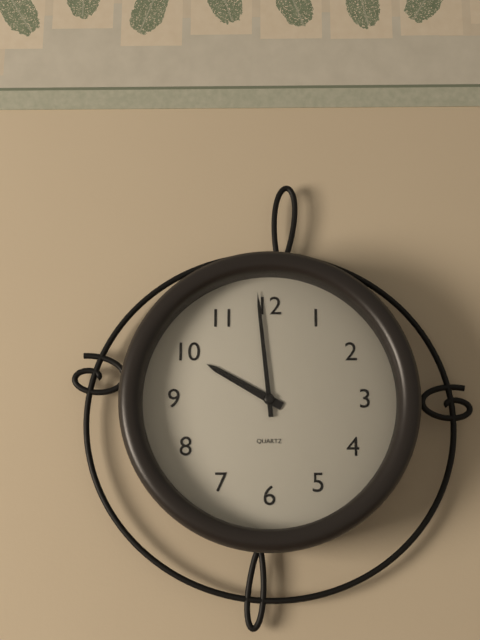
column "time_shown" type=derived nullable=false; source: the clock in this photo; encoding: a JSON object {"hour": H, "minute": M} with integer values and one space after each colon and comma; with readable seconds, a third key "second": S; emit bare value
{"hour": 9, "minute": 59}
